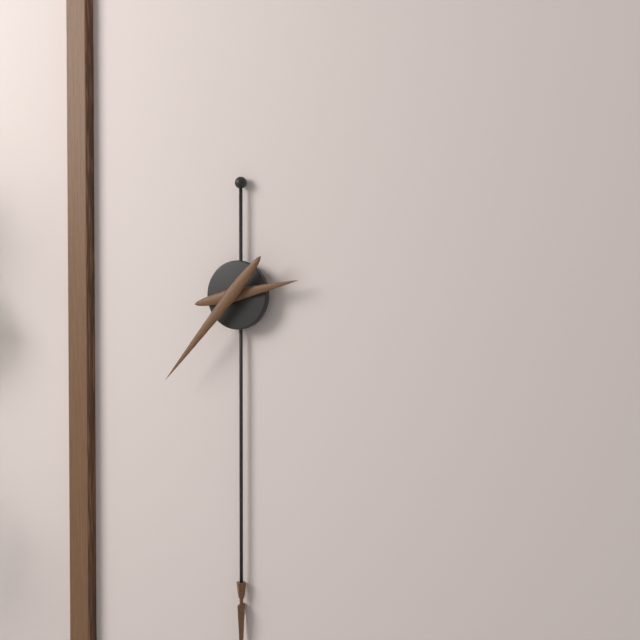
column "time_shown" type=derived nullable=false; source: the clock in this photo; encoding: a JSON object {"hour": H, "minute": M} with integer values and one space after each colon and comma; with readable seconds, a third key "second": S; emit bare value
{"hour": 2, "minute": 37}
